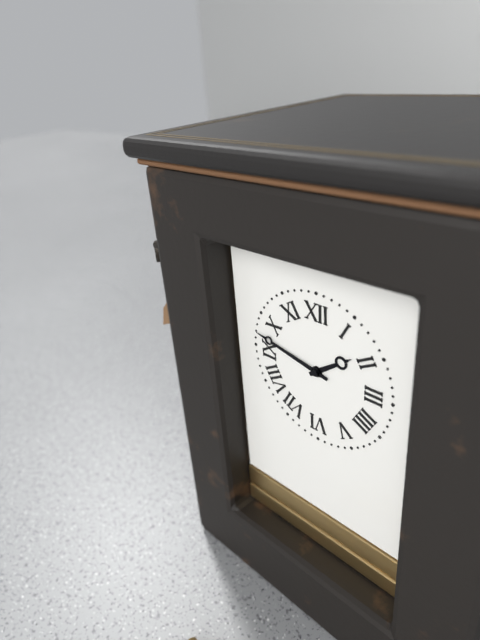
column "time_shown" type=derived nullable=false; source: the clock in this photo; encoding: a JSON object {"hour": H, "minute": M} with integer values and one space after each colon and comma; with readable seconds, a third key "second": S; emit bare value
{"hour": 1, "minute": 47}
